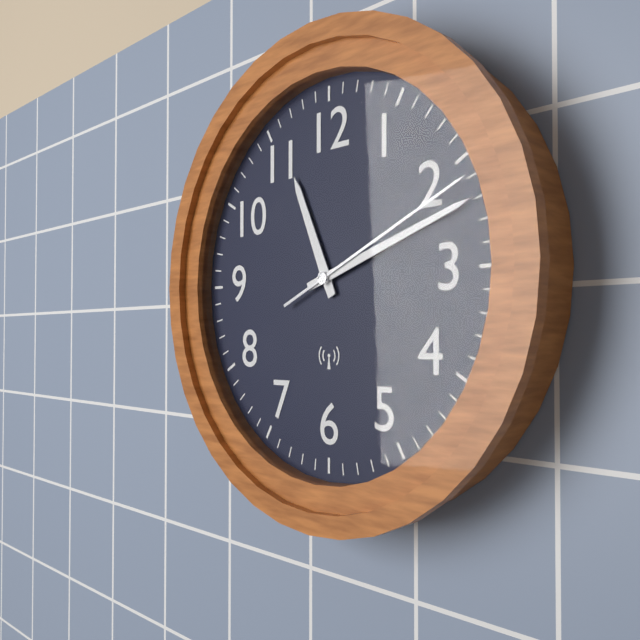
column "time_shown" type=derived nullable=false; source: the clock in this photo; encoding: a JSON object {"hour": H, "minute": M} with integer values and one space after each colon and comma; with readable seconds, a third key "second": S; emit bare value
{"hour": 11, "minute": 12, "second": 11}
